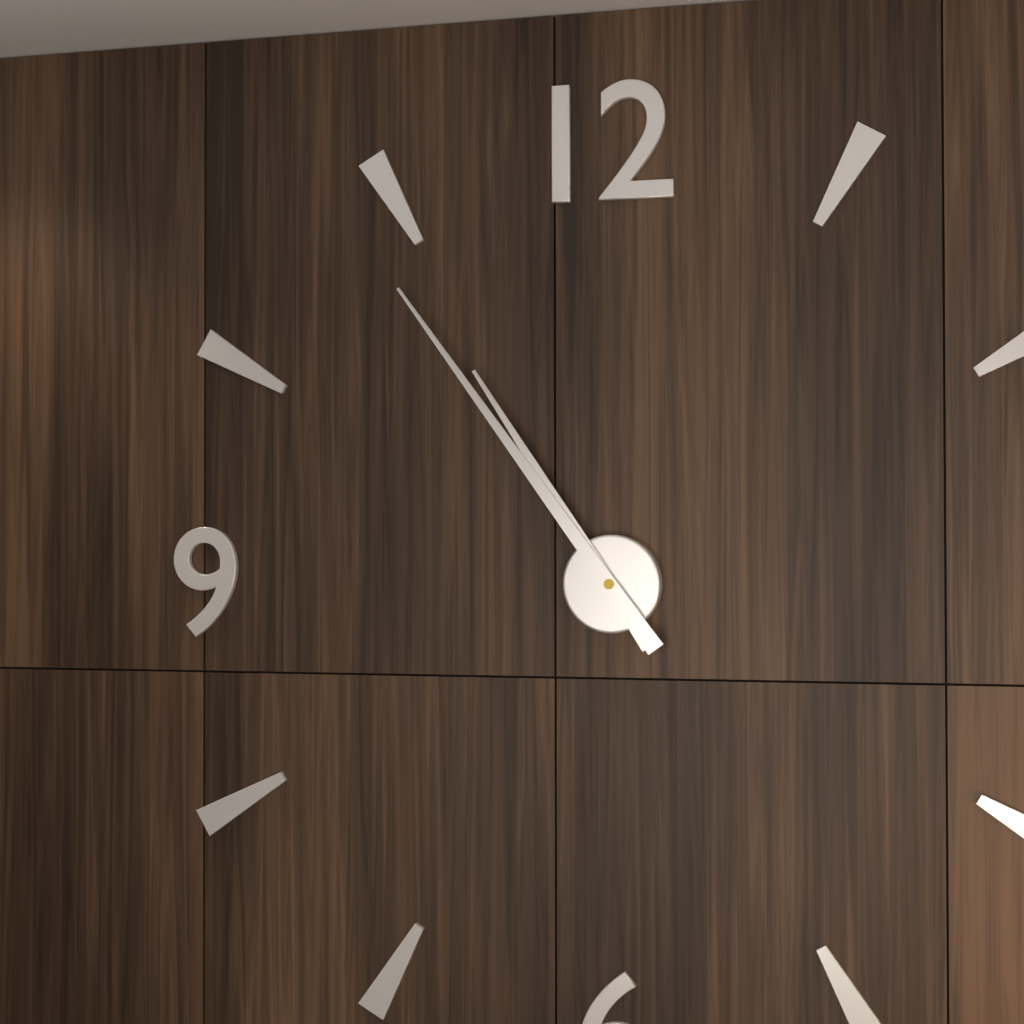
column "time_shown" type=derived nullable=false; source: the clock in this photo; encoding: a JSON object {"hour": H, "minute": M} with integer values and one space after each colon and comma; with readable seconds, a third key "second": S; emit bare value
{"hour": 10, "minute": 54}
